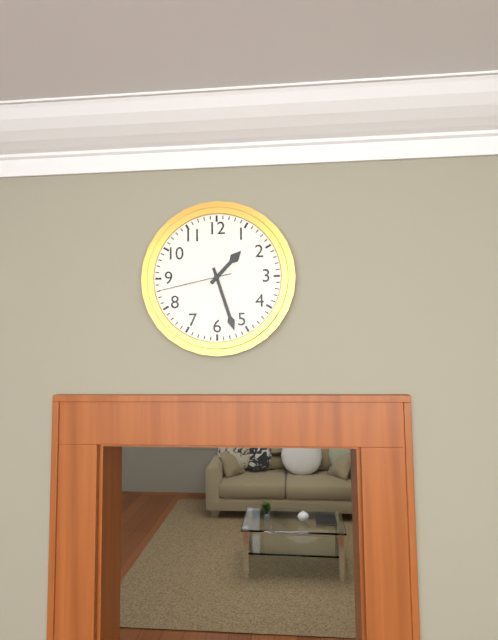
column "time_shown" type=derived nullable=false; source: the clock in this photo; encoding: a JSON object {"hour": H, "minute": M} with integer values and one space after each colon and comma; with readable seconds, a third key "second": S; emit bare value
{"hour": 1, "minute": 27, "second": 43}
